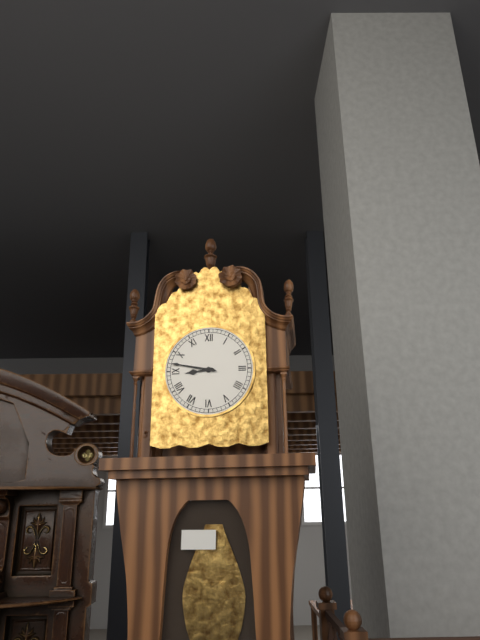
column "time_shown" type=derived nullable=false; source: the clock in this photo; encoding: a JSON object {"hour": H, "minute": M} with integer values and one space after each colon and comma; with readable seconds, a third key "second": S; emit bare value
{"hour": 8, "minute": 47}
